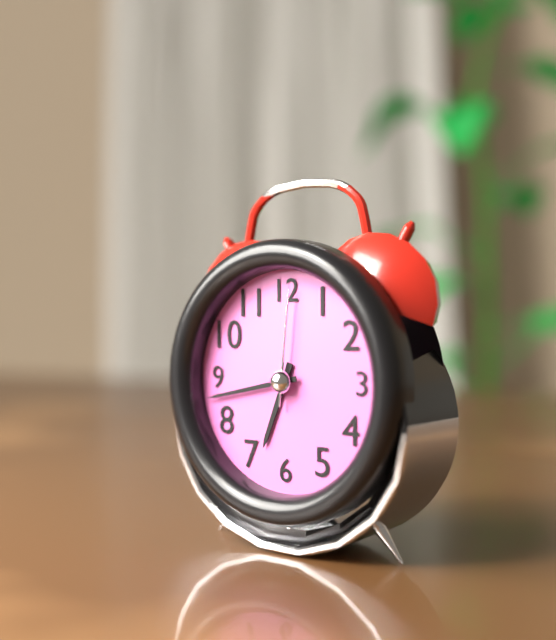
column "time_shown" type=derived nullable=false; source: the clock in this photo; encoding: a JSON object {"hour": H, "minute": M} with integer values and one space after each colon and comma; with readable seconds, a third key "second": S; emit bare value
{"hour": 6, "minute": 43, "second": 1}
